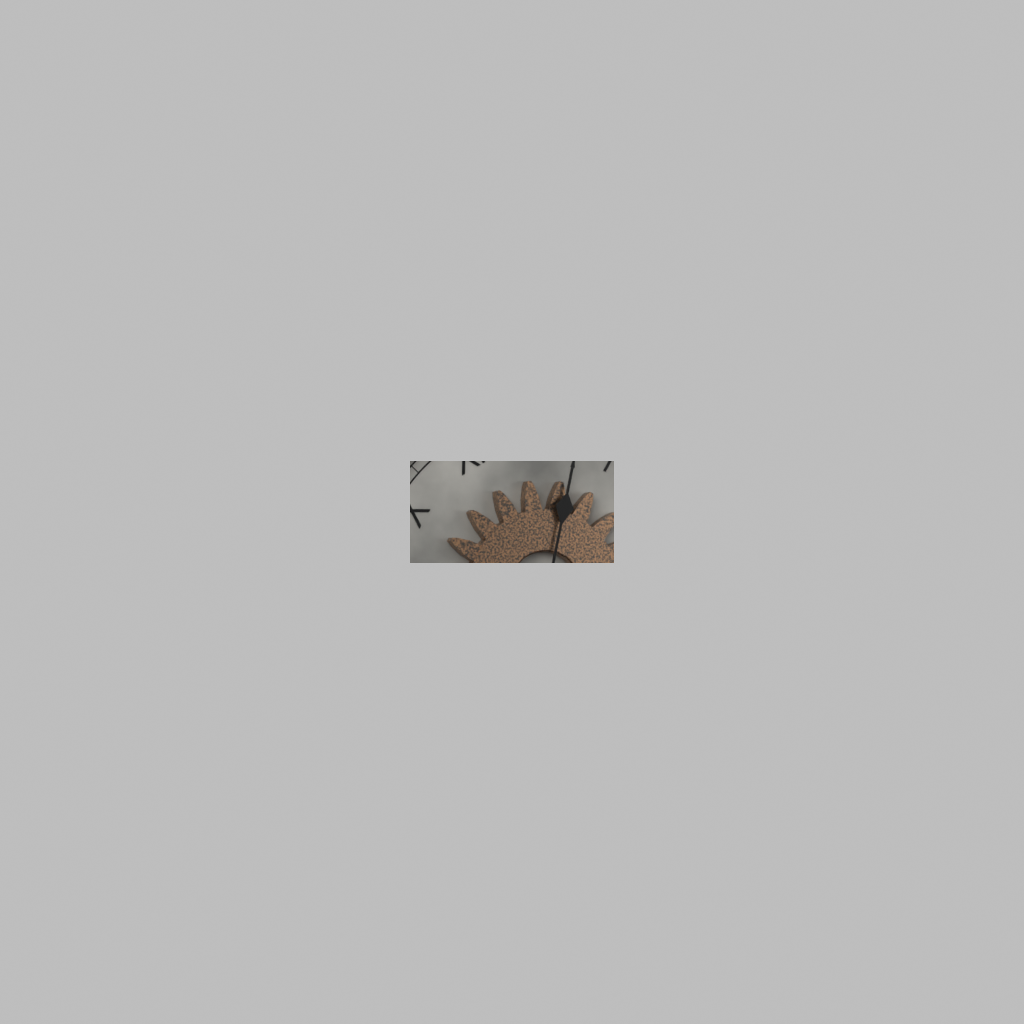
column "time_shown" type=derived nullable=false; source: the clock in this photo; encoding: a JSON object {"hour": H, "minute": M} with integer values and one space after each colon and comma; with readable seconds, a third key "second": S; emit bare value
{"hour": 3, "minute": 2}
